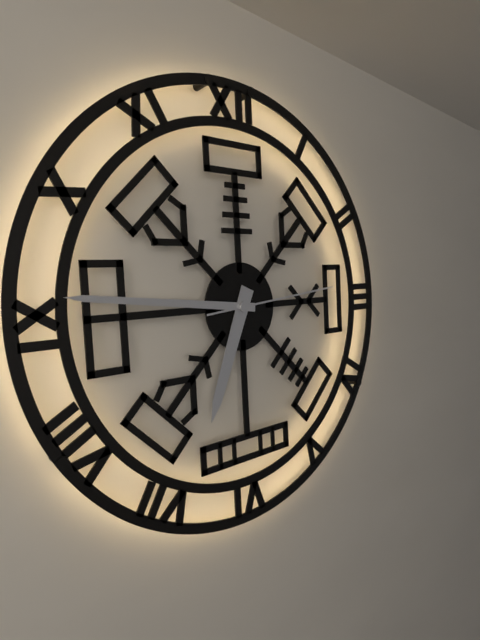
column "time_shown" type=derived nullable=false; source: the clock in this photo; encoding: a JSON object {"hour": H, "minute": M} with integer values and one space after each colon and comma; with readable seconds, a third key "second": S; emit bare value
{"hour": 6, "minute": 46, "second": 14}
